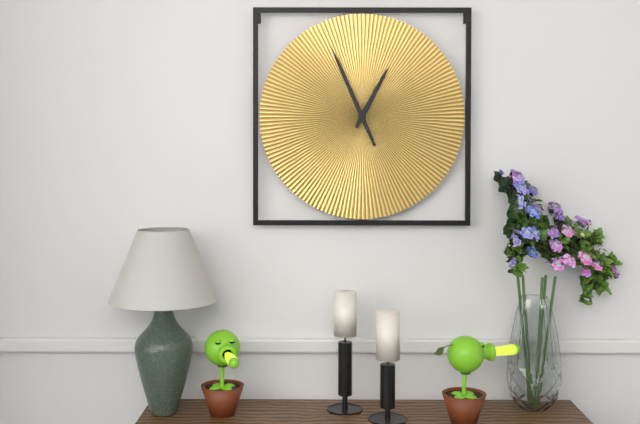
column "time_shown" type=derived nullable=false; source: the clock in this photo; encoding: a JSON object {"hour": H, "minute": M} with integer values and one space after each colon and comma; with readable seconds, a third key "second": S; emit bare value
{"hour": 12, "minute": 56}
